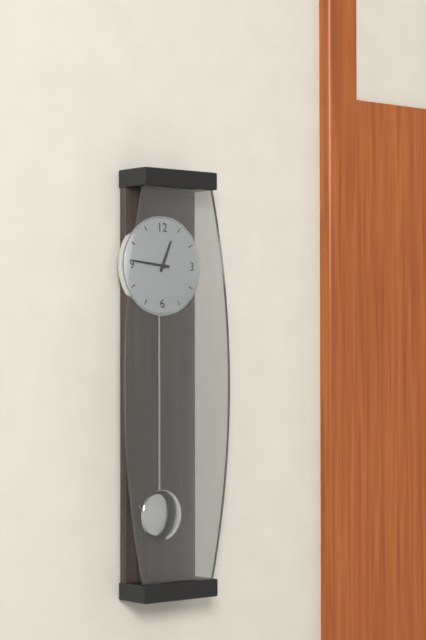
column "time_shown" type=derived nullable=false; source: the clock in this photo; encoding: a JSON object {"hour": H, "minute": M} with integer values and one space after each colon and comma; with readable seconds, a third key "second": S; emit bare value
{"hour": 12, "minute": 46}
